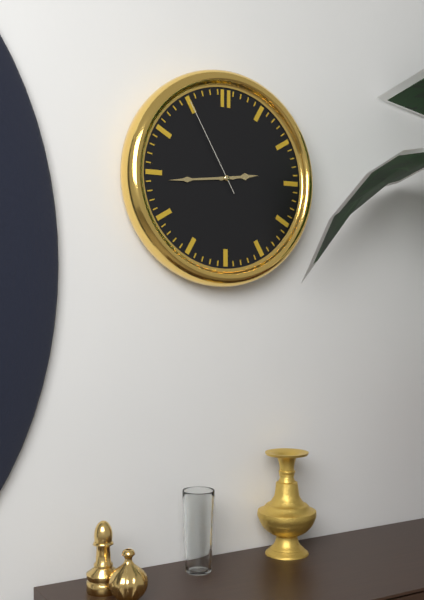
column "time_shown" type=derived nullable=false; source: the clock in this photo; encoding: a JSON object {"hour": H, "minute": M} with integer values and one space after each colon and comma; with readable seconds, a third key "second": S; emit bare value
{"hour": 2, "minute": 44, "second": 55}
